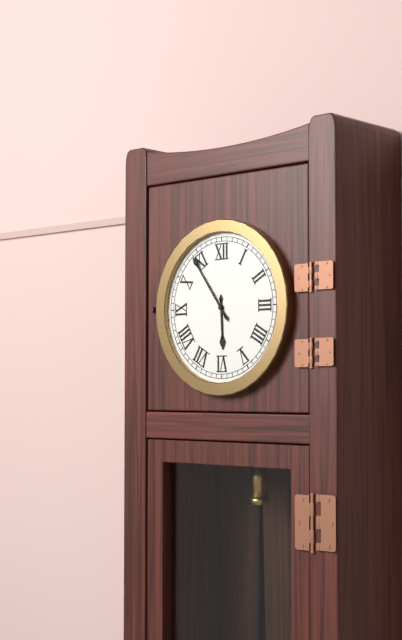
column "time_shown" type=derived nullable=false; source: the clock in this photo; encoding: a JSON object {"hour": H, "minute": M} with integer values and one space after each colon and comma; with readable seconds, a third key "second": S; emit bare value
{"hour": 5, "minute": 54}
